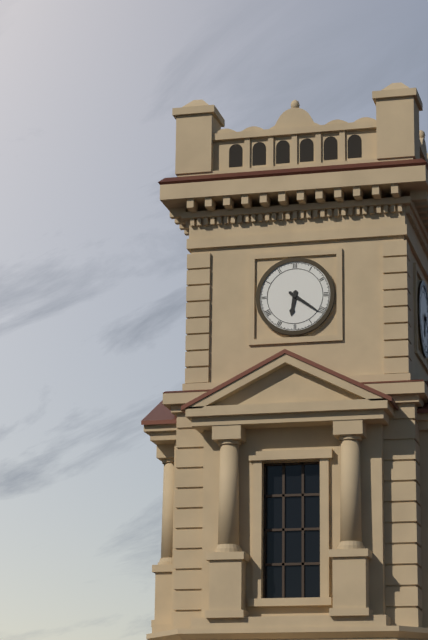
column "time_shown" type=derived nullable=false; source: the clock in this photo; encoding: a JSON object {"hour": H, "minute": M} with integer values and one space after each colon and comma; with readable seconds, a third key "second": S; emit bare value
{"hour": 6, "minute": 21}
